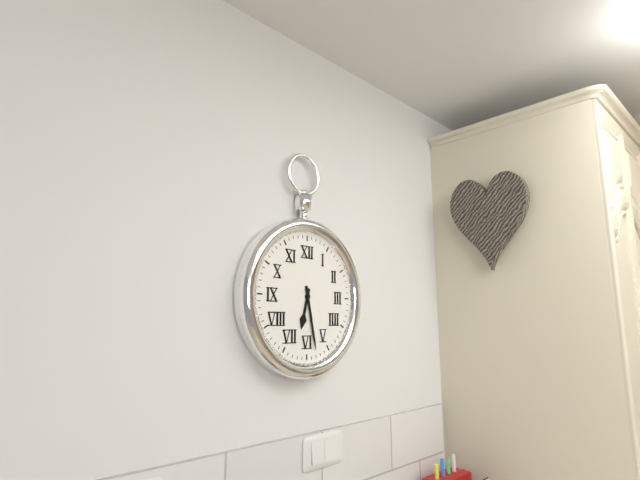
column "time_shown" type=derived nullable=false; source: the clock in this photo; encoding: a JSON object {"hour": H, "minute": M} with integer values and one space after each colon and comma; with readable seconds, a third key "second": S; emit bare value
{"hour": 6, "minute": 28}
